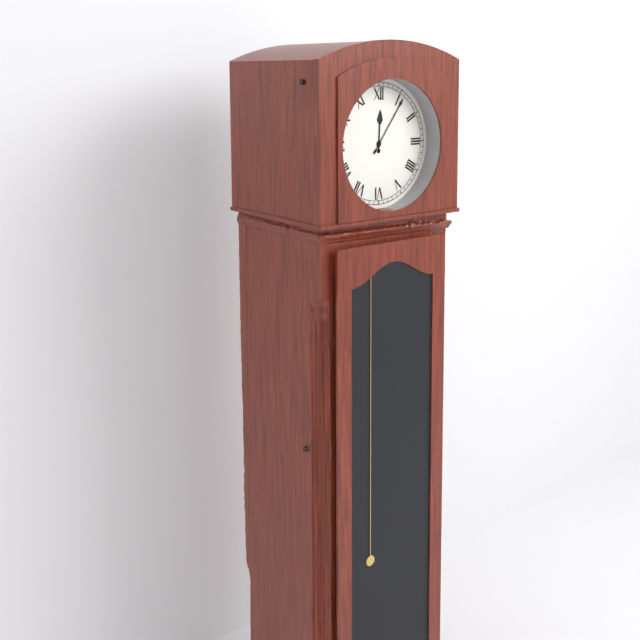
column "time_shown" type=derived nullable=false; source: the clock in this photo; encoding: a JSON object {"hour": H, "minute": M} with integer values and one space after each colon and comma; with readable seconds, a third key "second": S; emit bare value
{"hour": 12, "minute": 6}
